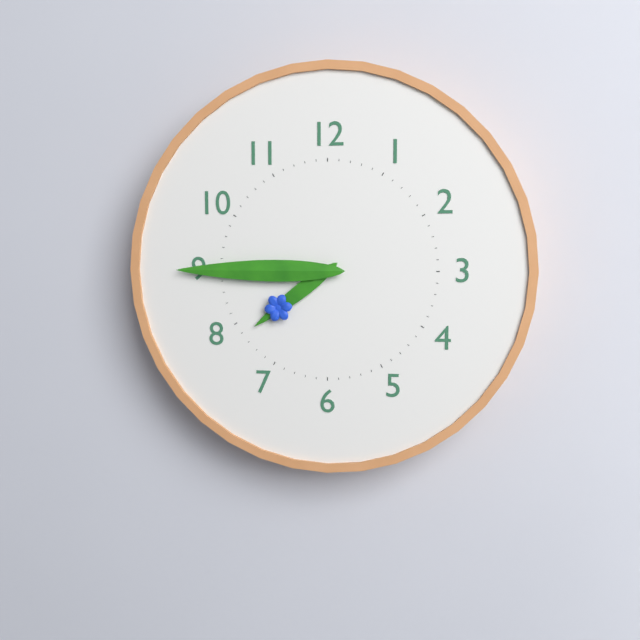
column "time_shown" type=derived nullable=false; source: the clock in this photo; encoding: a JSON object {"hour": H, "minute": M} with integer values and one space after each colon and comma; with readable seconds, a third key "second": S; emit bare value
{"hour": 7, "minute": 45}
